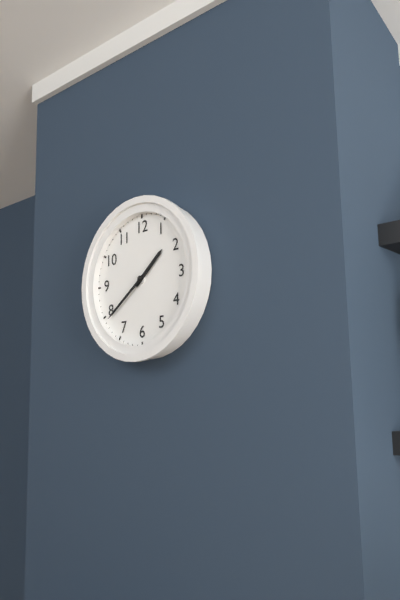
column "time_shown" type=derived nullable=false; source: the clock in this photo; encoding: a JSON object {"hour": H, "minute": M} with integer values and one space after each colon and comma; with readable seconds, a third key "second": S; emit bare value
{"hour": 1, "minute": 39}
